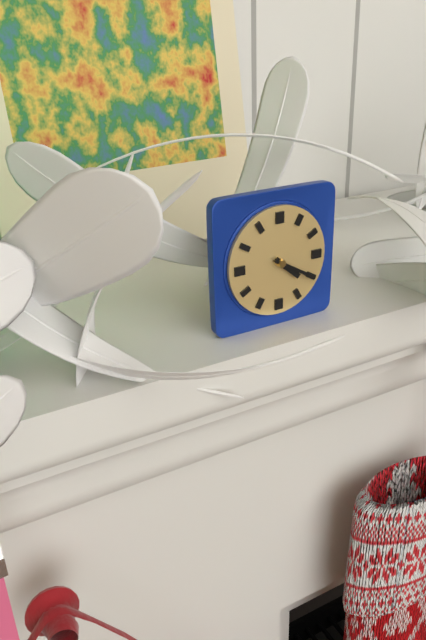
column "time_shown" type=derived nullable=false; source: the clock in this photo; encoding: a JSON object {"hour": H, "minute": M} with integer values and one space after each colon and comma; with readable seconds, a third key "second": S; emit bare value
{"hour": 4, "minute": 20}
